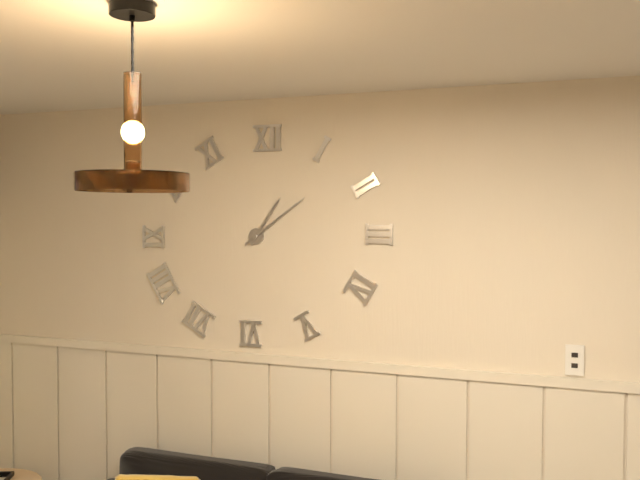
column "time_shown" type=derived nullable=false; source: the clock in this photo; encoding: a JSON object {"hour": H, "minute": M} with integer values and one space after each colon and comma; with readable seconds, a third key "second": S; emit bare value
{"hour": 1, "minute": 9}
